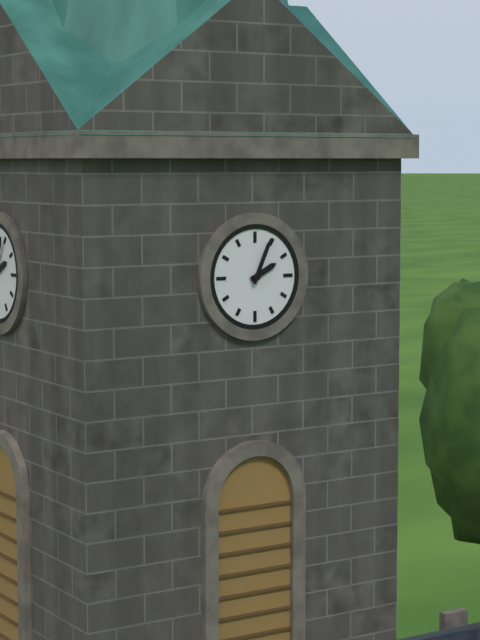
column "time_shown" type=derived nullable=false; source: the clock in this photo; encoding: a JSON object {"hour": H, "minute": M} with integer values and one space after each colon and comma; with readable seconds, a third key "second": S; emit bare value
{"hour": 2, "minute": 4}
